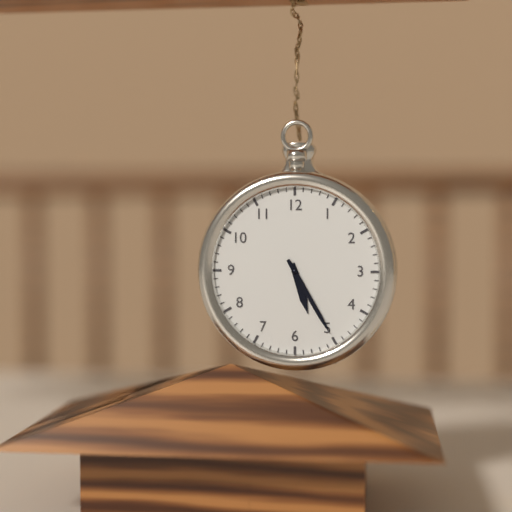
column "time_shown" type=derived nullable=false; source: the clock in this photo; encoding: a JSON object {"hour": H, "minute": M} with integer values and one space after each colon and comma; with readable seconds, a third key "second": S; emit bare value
{"hour": 5, "minute": 25}
